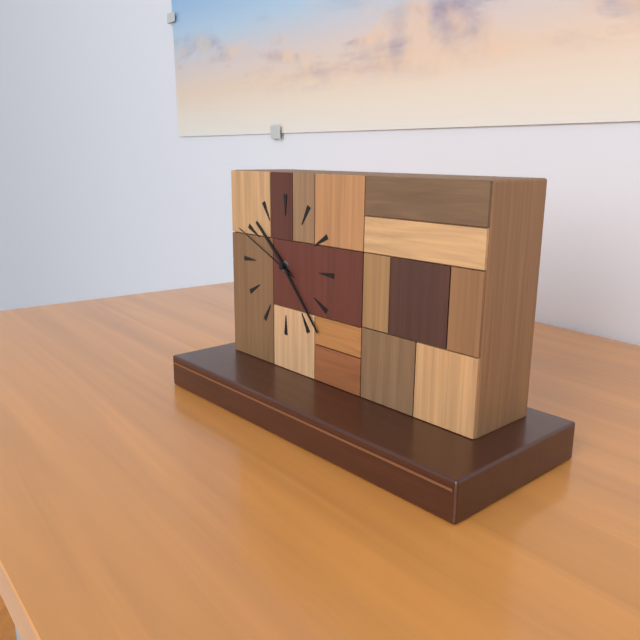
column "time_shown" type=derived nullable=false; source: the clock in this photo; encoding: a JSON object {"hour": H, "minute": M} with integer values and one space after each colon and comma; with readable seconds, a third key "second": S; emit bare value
{"hour": 10, "minute": 23, "second": 49}
